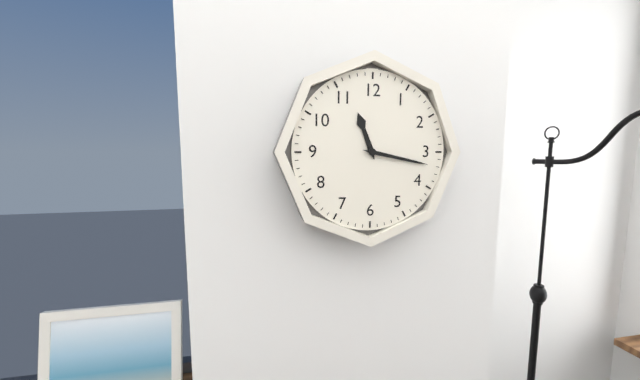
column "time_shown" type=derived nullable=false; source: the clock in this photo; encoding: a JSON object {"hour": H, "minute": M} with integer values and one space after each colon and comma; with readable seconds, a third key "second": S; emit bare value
{"hour": 11, "minute": 17}
